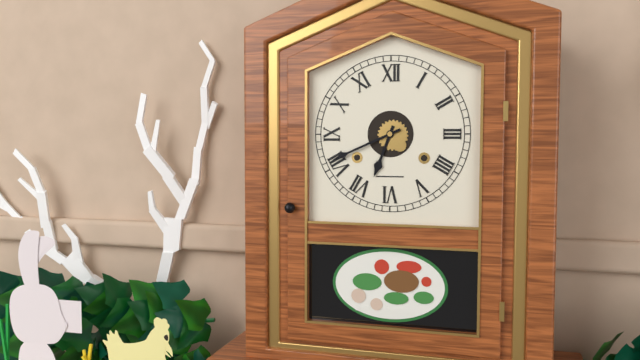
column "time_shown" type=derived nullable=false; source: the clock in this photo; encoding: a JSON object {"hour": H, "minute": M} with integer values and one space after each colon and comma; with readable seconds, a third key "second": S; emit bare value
{"hour": 6, "minute": 41}
